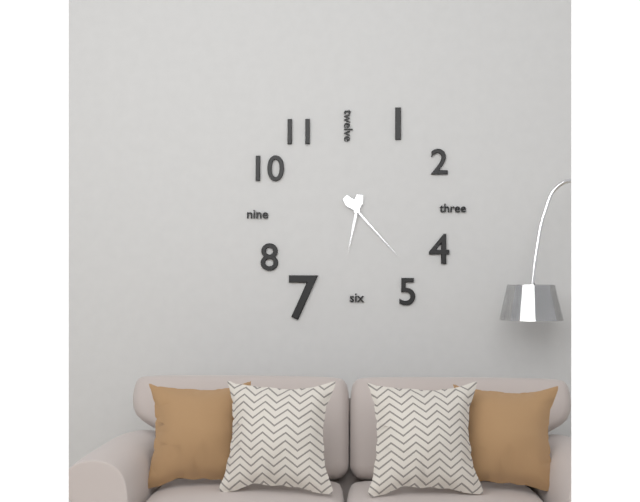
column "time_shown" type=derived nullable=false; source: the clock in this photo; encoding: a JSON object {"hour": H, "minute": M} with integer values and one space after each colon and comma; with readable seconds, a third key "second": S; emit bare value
{"hour": 6, "minute": 23}
